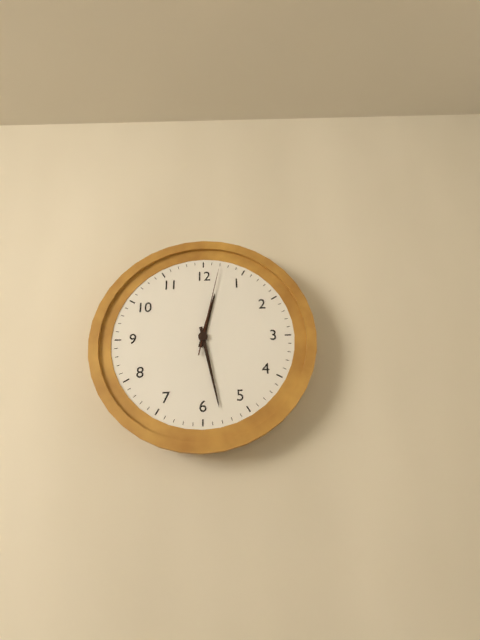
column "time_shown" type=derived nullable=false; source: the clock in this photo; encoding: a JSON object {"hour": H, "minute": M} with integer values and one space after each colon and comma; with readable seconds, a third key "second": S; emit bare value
{"hour": 12, "minute": 28, "second": 2}
